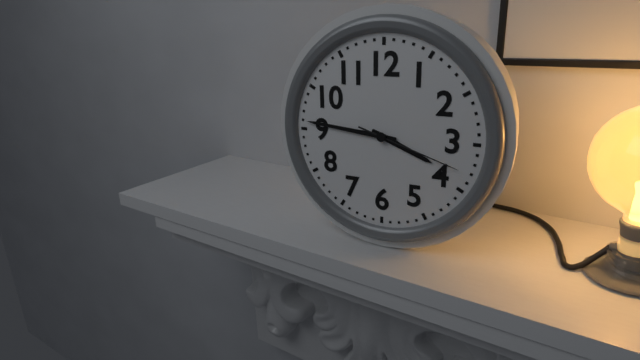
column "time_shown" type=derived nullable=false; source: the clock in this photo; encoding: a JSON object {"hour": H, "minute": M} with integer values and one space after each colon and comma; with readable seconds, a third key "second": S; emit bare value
{"hour": 3, "minute": 46, "second": 18}
